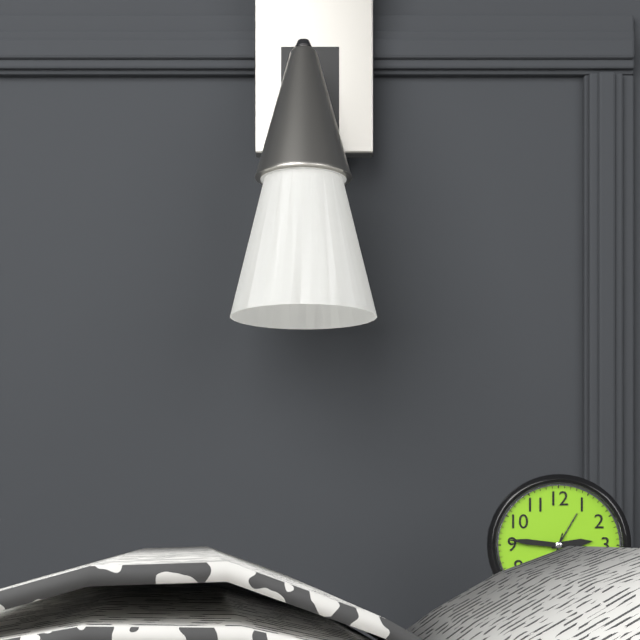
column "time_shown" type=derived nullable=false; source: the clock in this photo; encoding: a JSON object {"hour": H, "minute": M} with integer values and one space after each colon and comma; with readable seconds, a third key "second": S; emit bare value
{"hour": 2, "minute": 46}
